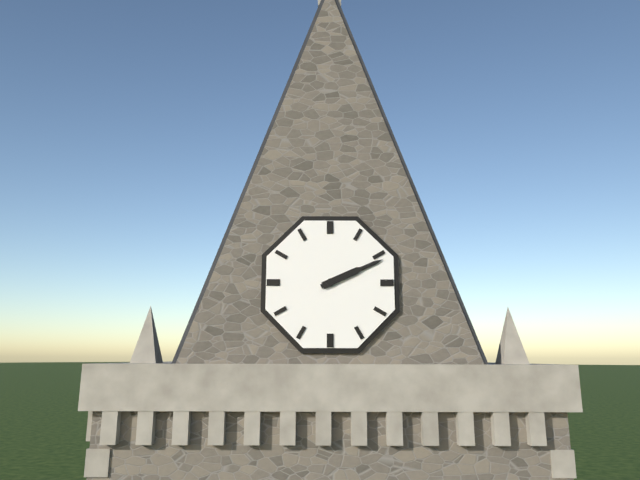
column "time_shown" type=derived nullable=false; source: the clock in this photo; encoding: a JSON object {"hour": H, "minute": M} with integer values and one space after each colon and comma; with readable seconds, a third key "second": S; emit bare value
{"hour": 2, "minute": 11}
